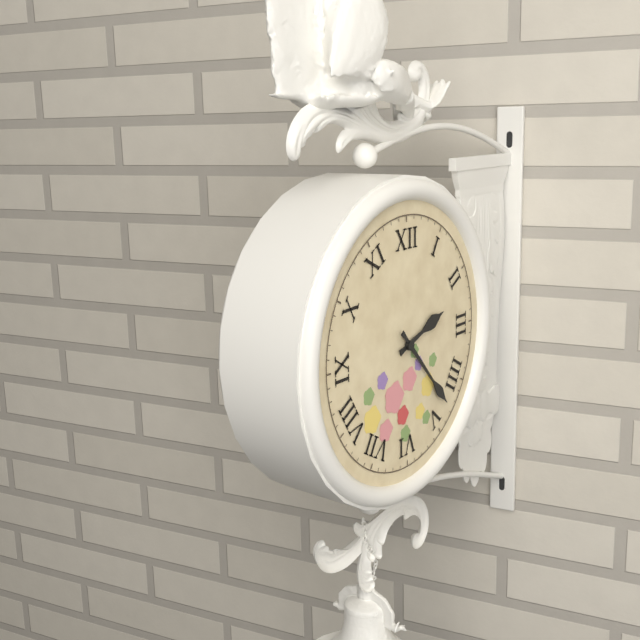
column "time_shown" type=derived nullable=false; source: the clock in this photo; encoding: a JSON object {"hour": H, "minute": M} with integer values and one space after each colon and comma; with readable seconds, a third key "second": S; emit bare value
{"hour": 2, "minute": 23}
